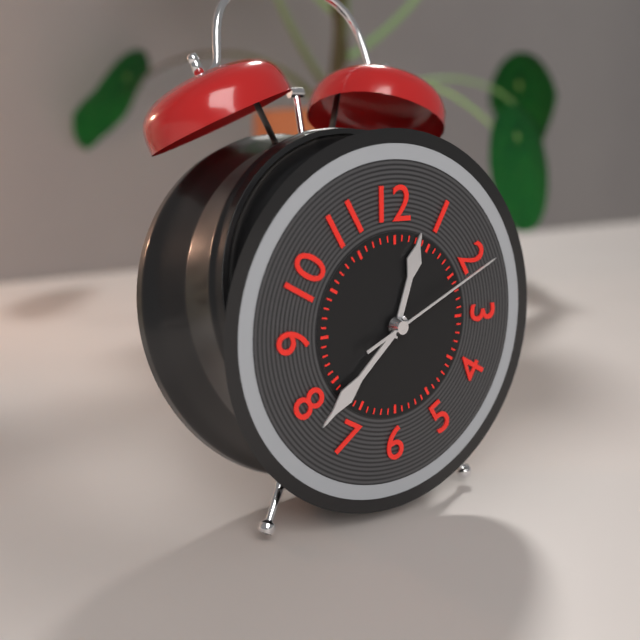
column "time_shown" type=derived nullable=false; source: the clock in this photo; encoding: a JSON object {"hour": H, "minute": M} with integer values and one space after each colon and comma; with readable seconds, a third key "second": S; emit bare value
{"hour": 12, "minute": 38, "second": 11}
